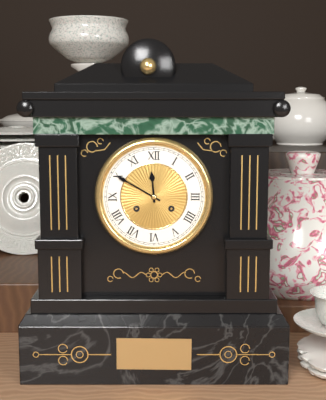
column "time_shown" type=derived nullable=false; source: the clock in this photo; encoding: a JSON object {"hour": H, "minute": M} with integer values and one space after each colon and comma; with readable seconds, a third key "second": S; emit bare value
{"hour": 11, "minute": 50}
